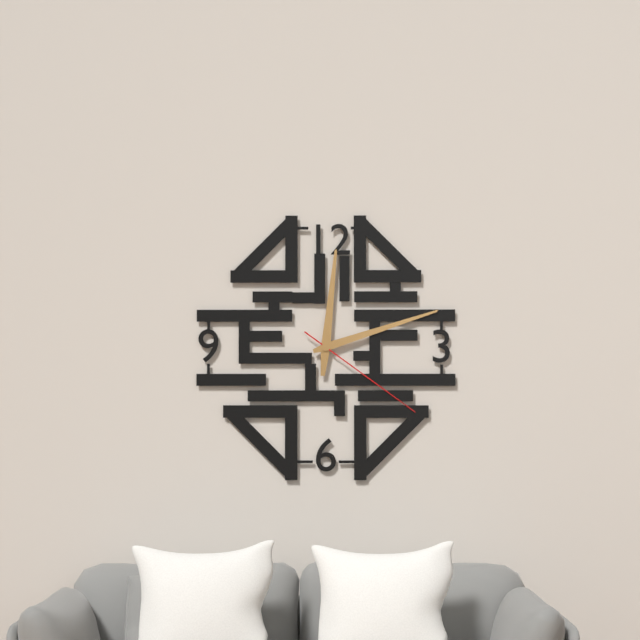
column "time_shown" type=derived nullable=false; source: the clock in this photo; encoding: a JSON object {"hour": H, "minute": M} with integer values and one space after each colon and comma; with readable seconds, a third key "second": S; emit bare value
{"hour": 12, "minute": 12, "second": 21}
